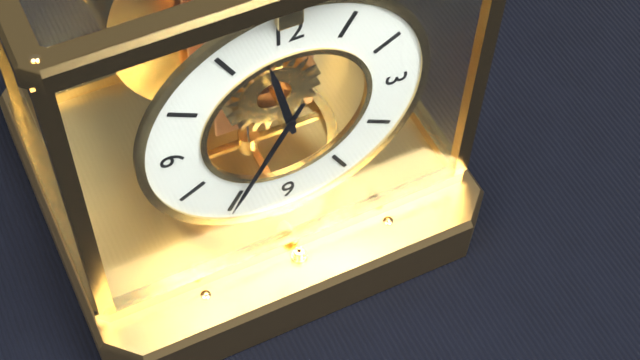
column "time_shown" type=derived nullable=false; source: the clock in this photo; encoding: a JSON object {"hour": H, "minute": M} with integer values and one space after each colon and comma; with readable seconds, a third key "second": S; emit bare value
{"hour": 11, "minute": 35}
